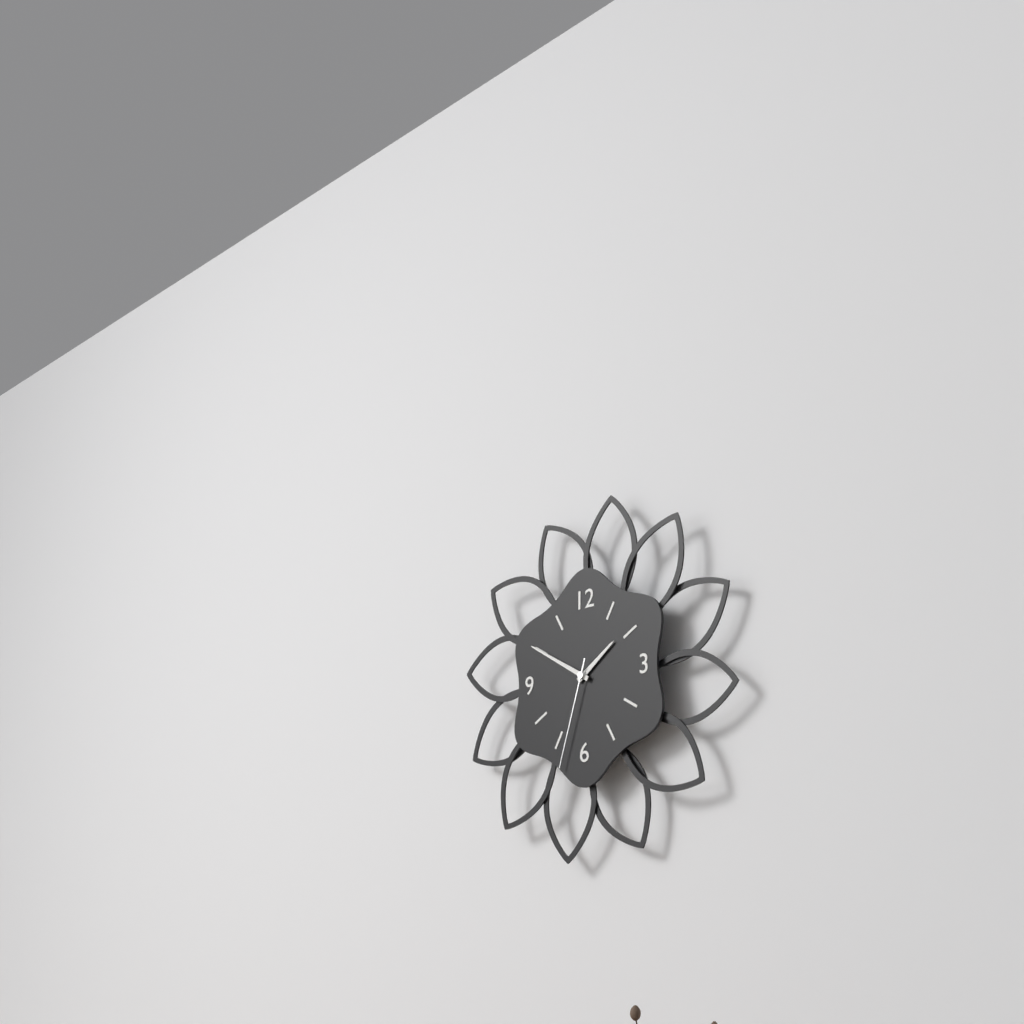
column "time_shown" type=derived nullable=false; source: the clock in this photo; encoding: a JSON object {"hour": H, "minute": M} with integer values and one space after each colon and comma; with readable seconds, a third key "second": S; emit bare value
{"hour": 1, "minute": 50, "second": 33}
